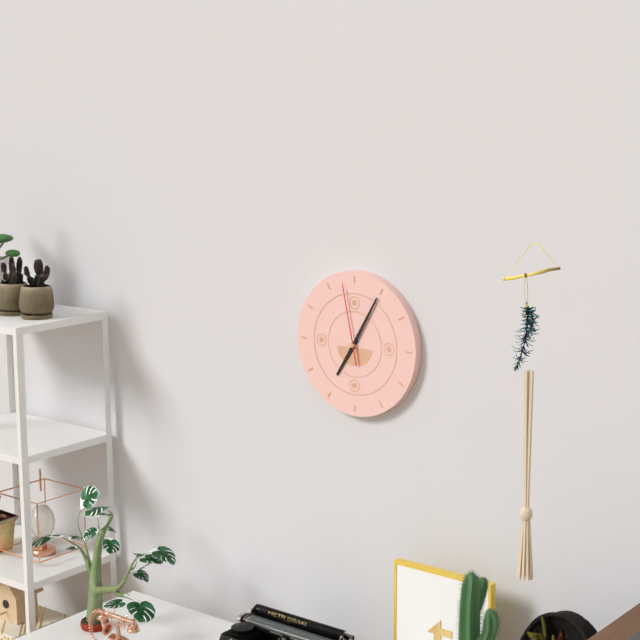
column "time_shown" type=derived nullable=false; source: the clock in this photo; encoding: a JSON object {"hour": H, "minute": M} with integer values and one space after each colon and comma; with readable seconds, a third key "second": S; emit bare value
{"hour": 7, "minute": 5, "second": 58}
